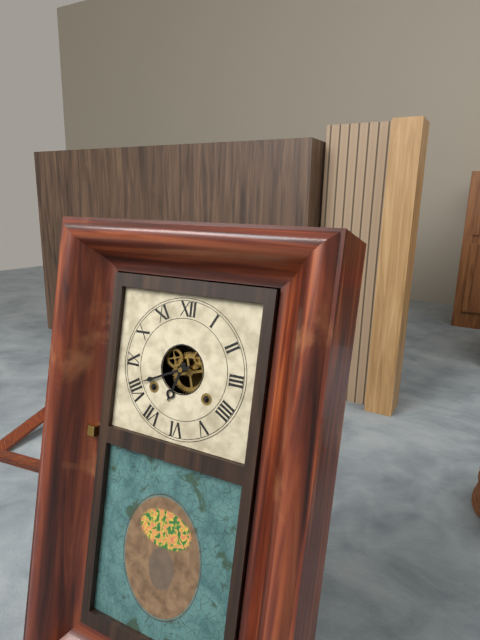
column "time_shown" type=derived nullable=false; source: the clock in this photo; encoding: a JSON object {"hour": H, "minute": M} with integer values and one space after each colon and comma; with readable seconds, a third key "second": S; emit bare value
{"hour": 6, "minute": 41}
